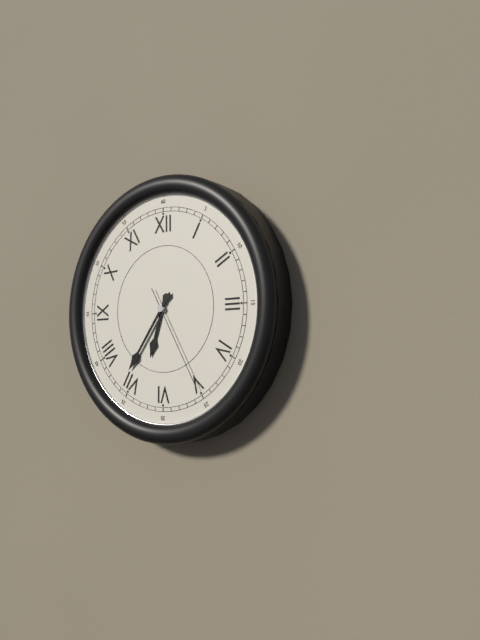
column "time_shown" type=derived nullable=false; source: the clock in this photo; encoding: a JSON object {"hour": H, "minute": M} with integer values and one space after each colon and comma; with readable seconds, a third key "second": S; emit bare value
{"hour": 6, "minute": 36, "second": 25}
